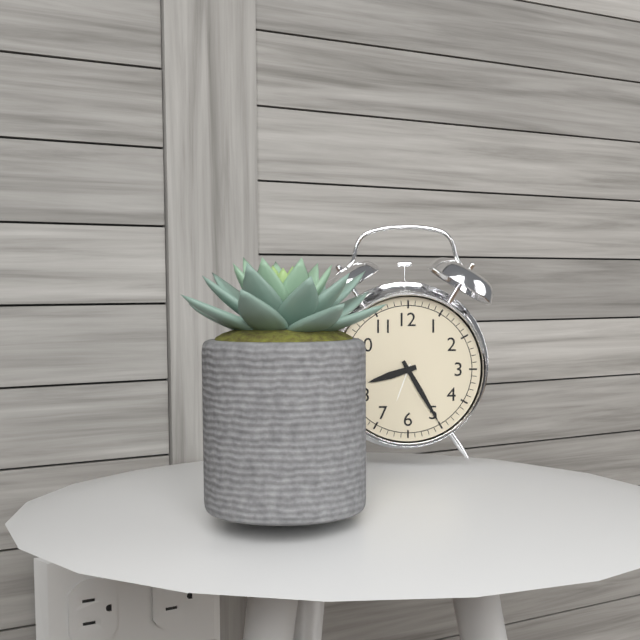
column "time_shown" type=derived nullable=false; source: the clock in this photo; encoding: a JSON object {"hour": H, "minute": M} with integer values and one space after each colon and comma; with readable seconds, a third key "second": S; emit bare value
{"hour": 8, "minute": 25}
